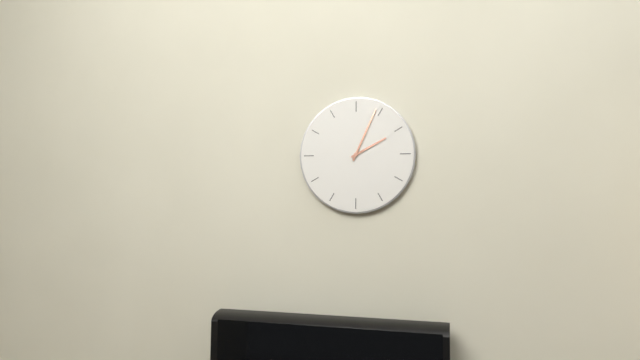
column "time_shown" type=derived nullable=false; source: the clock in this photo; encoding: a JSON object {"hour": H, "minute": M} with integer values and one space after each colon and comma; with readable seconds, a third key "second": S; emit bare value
{"hour": 2, "minute": 4}
